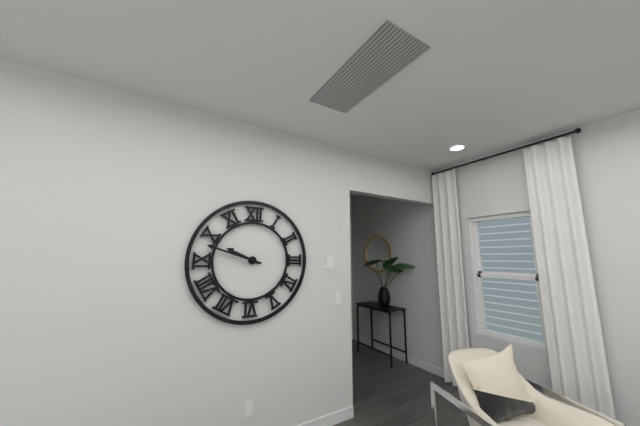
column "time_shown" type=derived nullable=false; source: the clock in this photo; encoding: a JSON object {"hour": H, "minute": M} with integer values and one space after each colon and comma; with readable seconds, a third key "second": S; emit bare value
{"hour": 9, "minute": 48}
